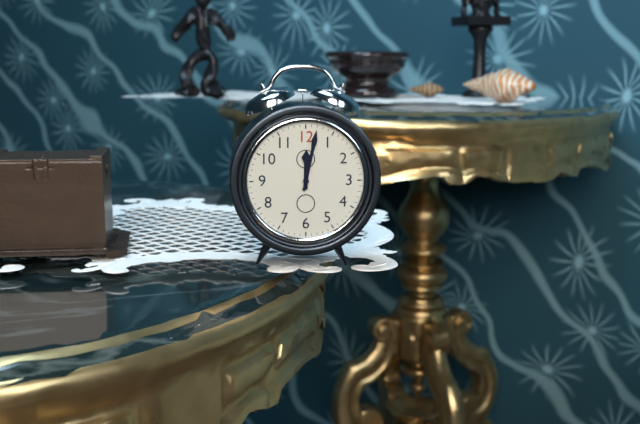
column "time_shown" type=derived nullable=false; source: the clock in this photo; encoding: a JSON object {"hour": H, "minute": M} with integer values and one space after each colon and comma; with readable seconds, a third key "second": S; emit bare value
{"hour": 12, "minute": 2}
